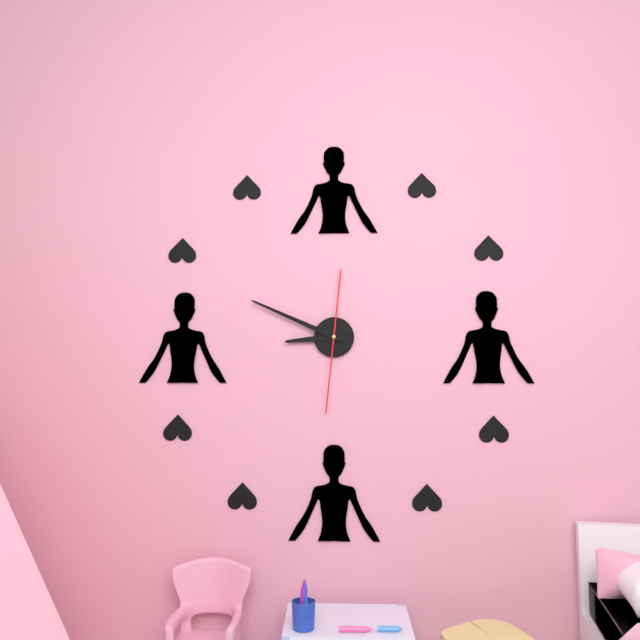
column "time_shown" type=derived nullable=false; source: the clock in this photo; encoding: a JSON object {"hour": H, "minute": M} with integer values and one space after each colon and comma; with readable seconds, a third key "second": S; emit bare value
{"hour": 8, "minute": 49, "second": 31}
